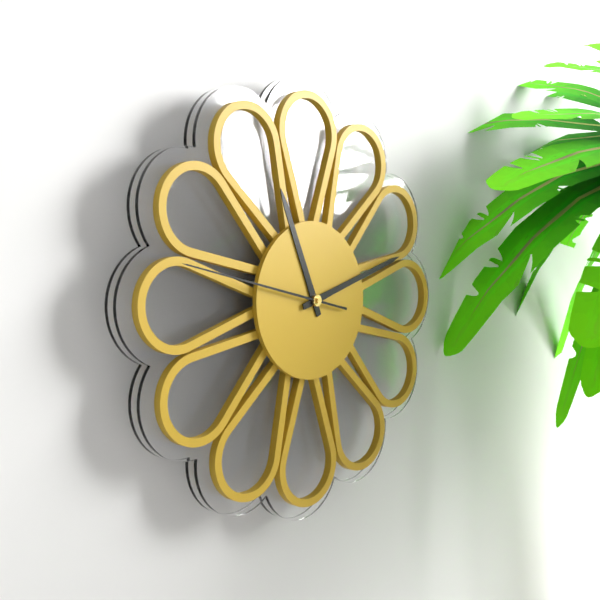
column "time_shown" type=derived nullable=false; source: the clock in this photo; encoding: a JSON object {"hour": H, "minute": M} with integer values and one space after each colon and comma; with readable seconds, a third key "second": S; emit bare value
{"hour": 11, "minute": 12, "second": 47}
